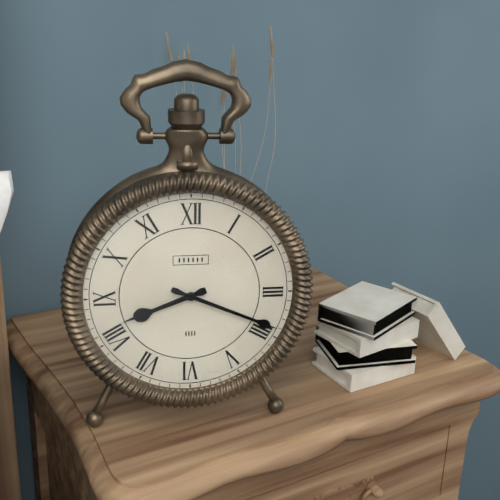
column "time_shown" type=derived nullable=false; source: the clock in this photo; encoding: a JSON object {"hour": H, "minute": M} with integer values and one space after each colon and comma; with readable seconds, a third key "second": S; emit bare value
{"hour": 8, "minute": 19}
